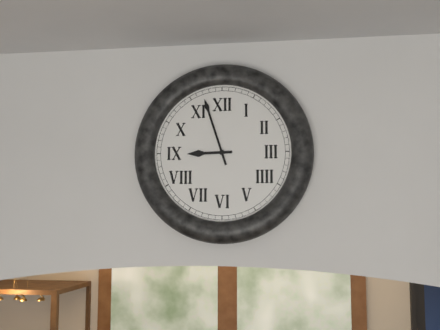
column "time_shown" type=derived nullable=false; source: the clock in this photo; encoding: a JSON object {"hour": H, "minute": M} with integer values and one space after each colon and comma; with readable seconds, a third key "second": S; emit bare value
{"hour": 8, "minute": 57}
